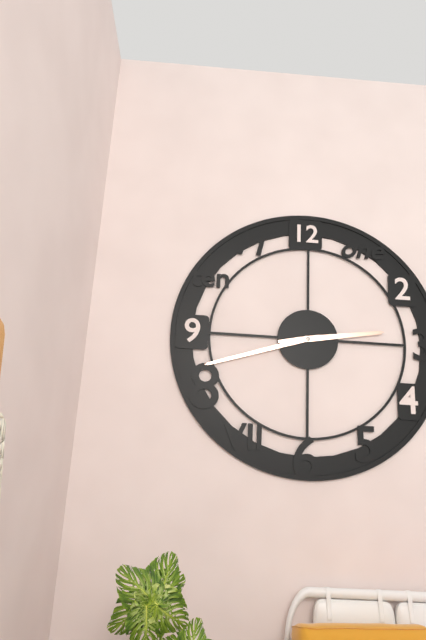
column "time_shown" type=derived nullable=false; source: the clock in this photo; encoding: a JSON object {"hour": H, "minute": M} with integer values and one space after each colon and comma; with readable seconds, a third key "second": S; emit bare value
{"hour": 2, "minute": 42}
